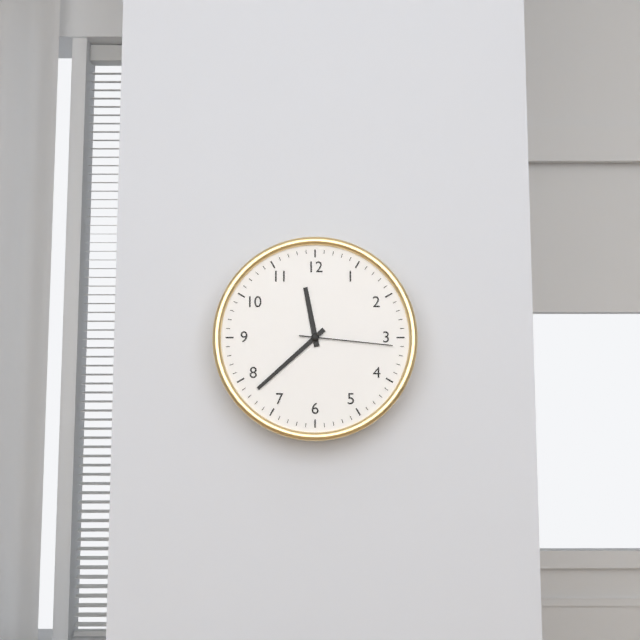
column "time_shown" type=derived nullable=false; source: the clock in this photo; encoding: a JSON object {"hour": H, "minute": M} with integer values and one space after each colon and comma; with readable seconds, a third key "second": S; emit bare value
{"hour": 11, "minute": 38, "second": 16}
